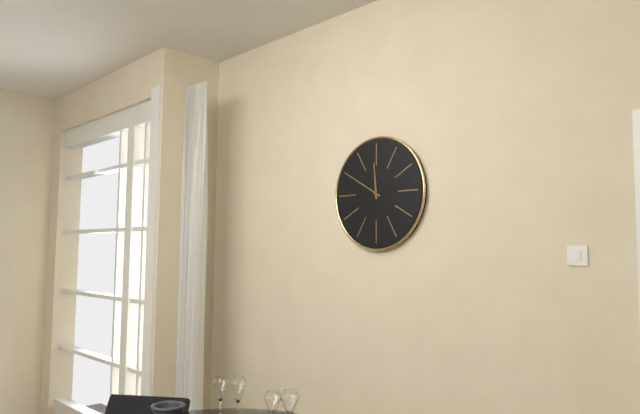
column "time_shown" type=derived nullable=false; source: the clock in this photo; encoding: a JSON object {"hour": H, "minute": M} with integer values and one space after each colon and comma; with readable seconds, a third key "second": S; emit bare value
{"hour": 11, "minute": 50}
